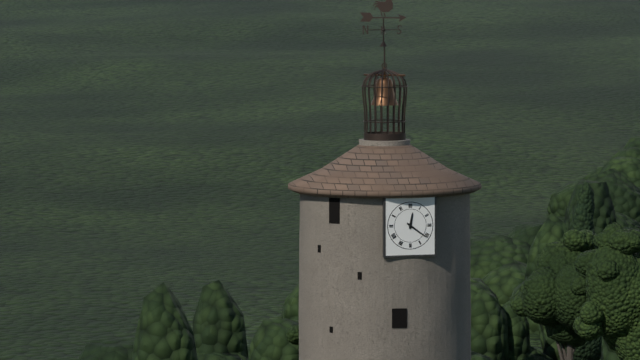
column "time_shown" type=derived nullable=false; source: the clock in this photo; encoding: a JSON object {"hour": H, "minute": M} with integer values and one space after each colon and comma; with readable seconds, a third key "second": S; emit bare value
{"hour": 12, "minute": 21}
